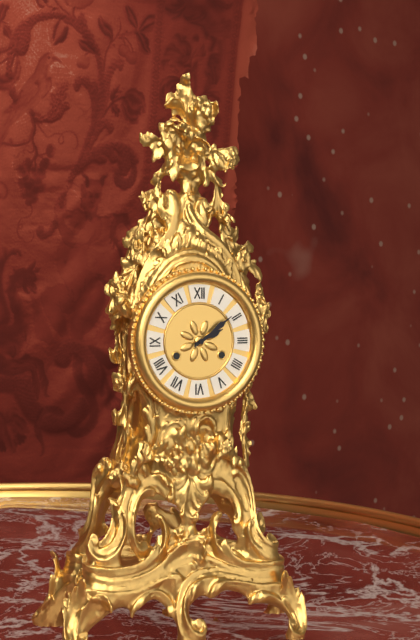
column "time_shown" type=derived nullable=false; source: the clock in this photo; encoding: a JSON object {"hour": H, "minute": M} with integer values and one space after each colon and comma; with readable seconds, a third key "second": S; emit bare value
{"hour": 2, "minute": 9}
